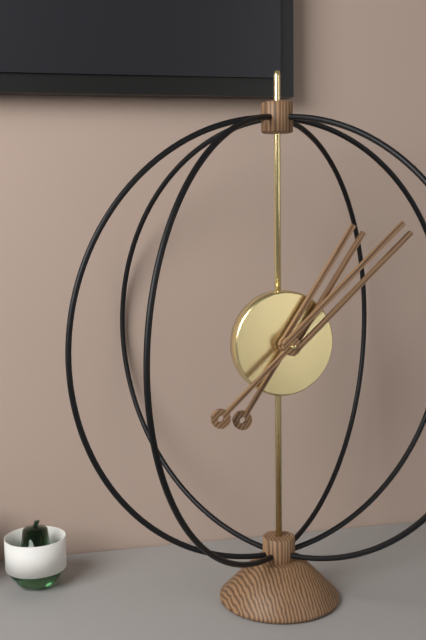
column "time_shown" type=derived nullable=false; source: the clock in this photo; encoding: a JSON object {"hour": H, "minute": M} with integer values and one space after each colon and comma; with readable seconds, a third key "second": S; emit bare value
{"hour": 1, "minute": 8}
